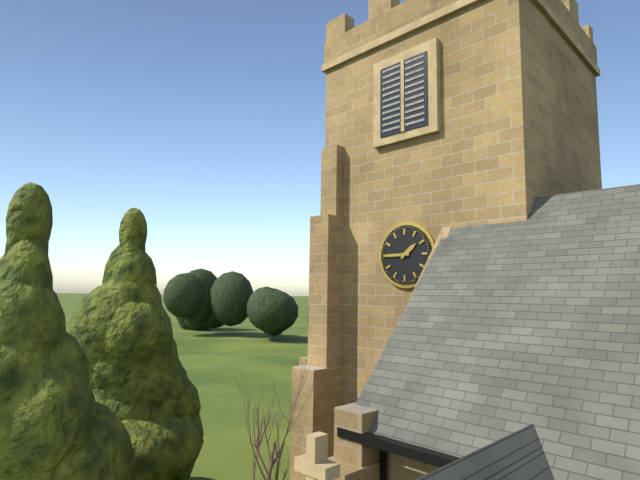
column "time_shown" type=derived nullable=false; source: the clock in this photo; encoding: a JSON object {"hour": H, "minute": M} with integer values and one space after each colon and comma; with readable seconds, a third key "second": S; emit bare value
{"hour": 1, "minute": 45}
